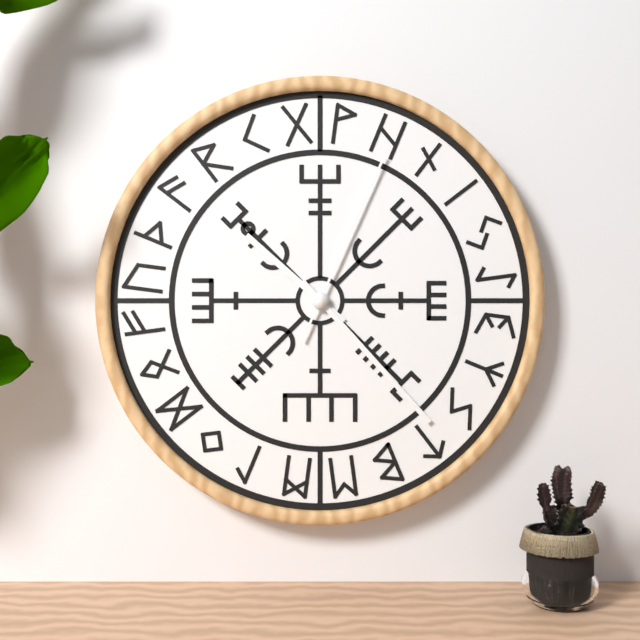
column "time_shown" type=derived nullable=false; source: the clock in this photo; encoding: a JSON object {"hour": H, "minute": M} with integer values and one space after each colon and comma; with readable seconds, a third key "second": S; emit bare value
{"hour": 10, "minute": 23, "second": 4}
